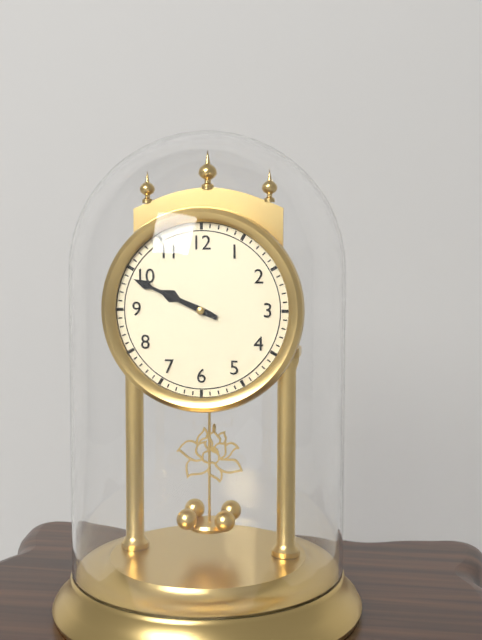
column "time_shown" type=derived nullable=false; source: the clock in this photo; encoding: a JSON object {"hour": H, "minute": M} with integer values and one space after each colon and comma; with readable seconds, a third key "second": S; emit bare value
{"hour": 9, "minute": 49}
